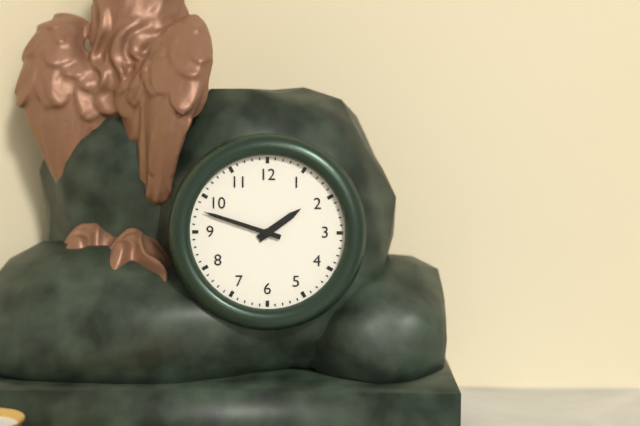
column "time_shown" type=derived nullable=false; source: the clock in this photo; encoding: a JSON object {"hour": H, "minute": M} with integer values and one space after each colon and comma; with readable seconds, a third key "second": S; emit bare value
{"hour": 1, "minute": 48}
